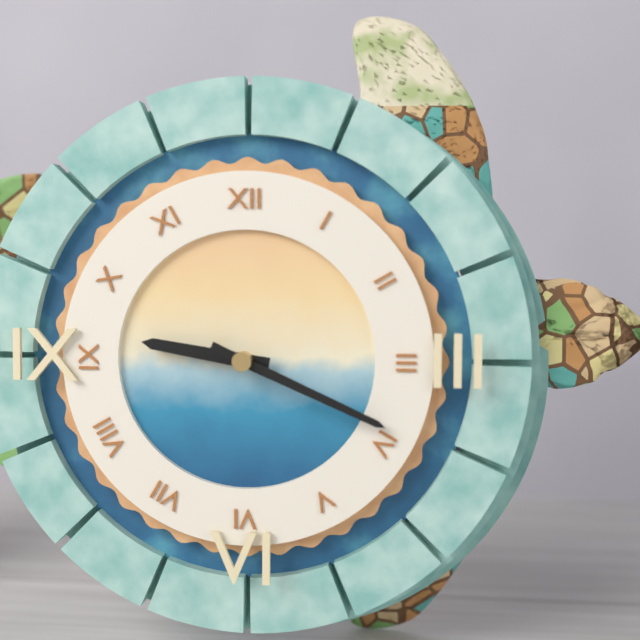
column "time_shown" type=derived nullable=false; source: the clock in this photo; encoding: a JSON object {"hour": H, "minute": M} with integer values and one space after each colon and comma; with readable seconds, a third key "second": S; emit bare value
{"hour": 9, "minute": 19}
